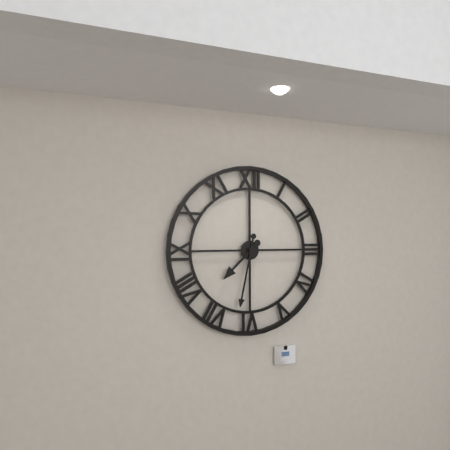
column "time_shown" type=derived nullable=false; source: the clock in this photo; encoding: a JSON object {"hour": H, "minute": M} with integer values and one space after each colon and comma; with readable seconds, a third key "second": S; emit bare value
{"hour": 7, "minute": 32}
